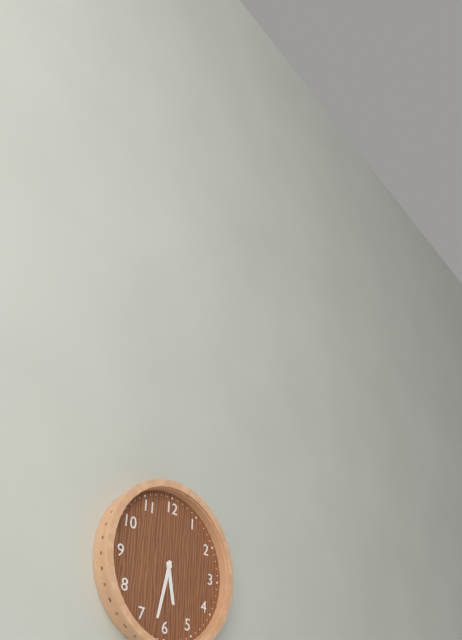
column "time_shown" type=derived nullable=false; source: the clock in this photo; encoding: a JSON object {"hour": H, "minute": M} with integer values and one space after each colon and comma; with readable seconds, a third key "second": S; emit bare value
{"hour": 5, "minute": 32}
